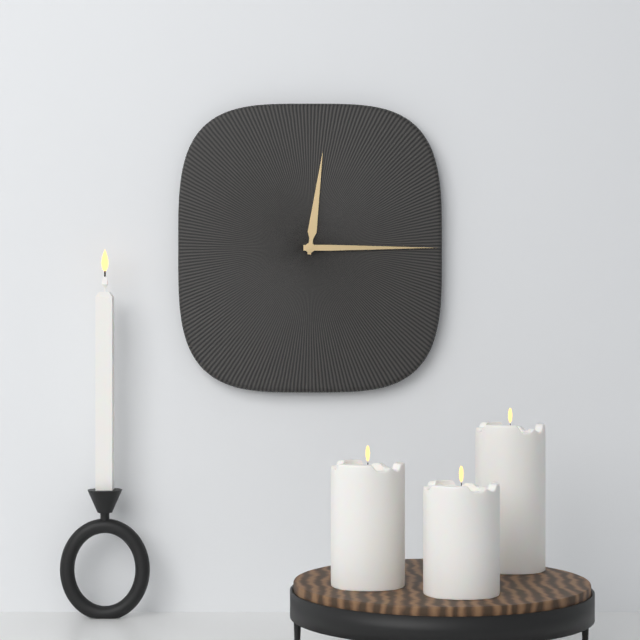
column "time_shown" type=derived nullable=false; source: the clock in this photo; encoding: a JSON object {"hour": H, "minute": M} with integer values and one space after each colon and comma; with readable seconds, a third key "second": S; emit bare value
{"hour": 12, "minute": 15}
